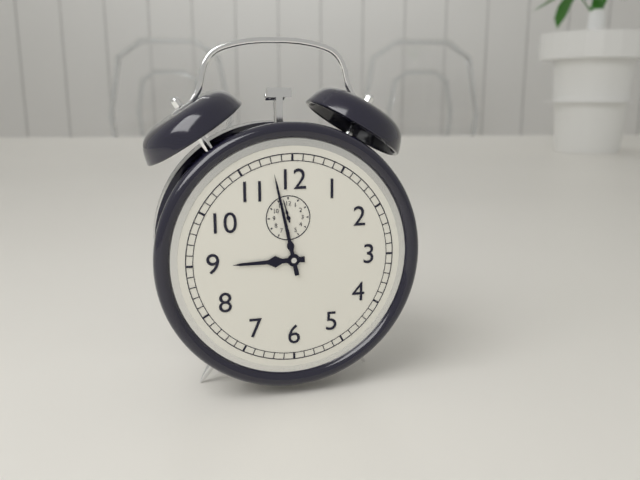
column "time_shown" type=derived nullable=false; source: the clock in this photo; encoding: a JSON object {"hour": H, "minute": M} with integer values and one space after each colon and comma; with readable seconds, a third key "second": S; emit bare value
{"hour": 8, "minute": 58}
